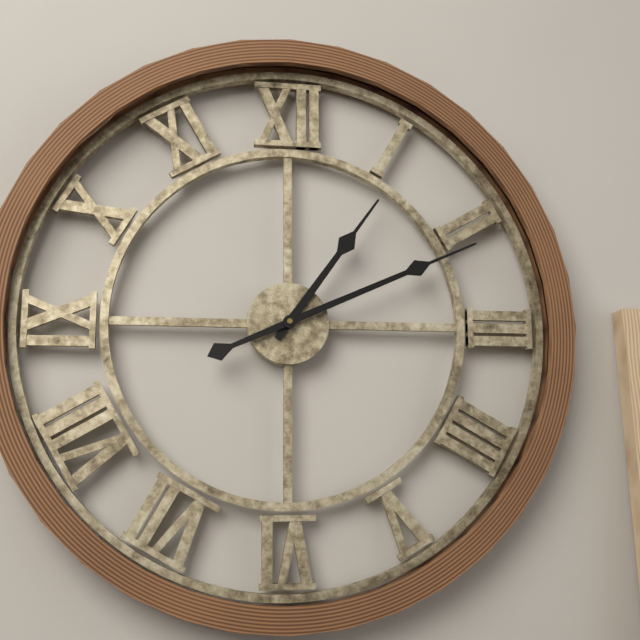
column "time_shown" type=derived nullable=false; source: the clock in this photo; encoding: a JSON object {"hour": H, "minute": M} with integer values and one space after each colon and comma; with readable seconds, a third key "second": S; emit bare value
{"hour": 1, "minute": 11}
